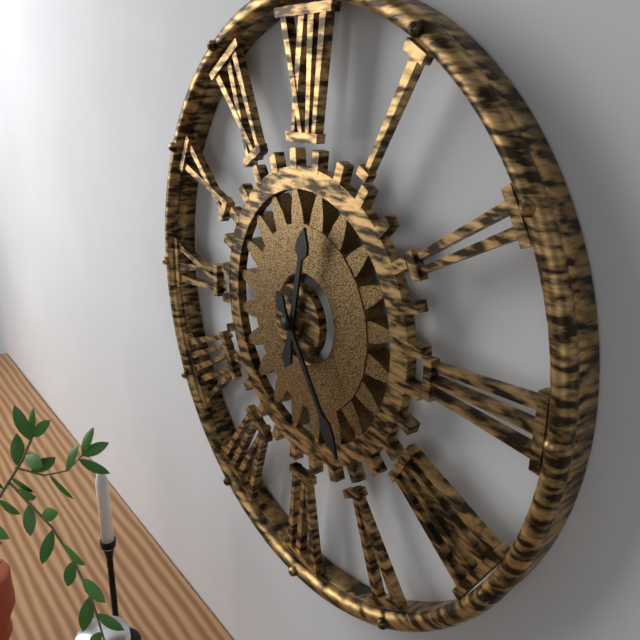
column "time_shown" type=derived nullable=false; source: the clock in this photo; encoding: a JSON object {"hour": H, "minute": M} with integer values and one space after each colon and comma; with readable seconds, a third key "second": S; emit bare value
{"hour": 12, "minute": 24}
